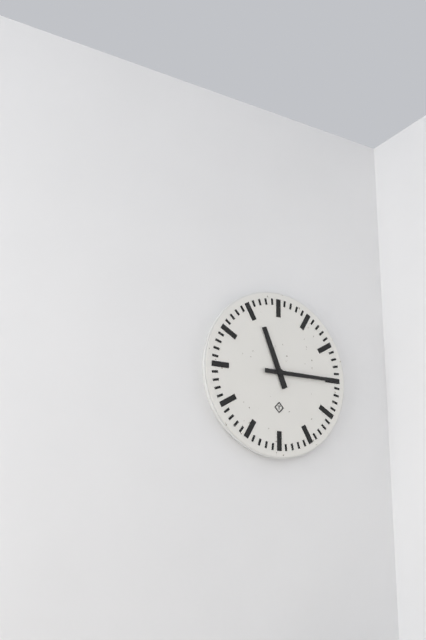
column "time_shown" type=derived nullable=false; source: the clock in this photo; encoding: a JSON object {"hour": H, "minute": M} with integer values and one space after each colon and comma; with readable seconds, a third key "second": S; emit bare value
{"hour": 11, "minute": 15}
